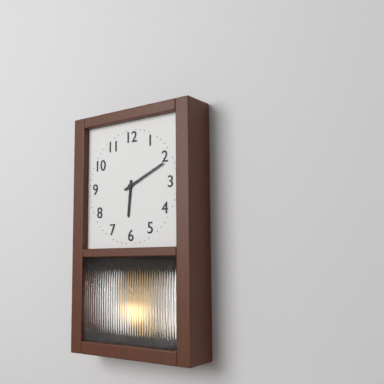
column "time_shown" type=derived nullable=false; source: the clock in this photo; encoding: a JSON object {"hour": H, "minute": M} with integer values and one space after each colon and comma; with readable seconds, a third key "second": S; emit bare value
{"hour": 6, "minute": 11}
